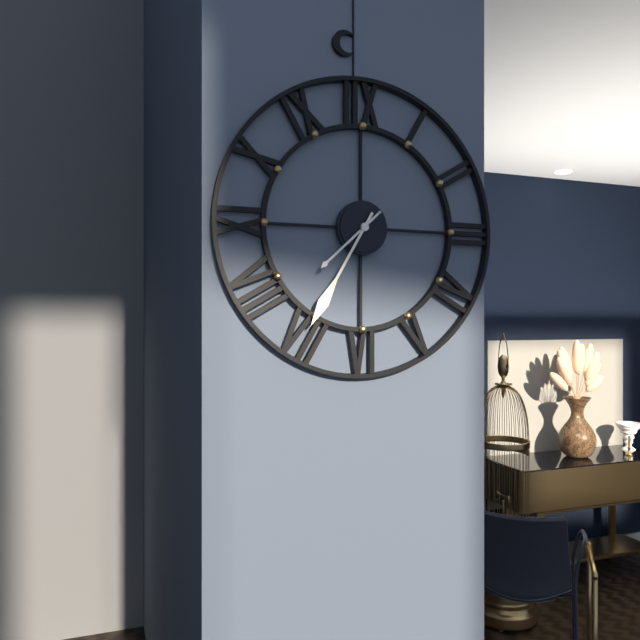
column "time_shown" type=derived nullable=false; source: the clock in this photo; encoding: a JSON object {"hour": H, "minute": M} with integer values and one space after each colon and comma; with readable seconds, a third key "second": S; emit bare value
{"hour": 7, "minute": 35}
